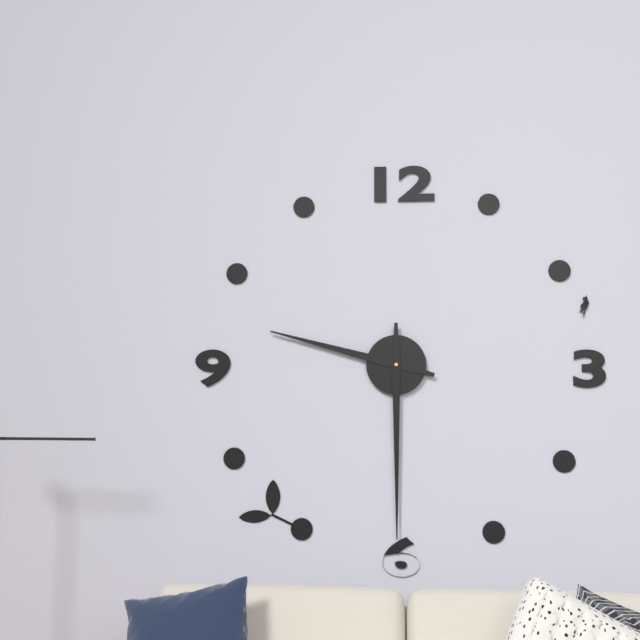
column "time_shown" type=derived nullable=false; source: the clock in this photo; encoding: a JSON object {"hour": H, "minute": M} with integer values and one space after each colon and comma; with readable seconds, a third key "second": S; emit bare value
{"hour": 9, "minute": 30}
